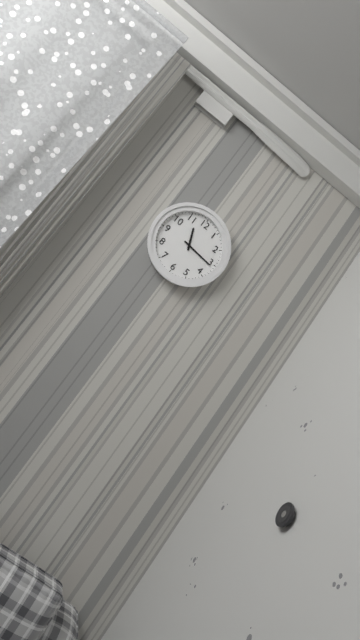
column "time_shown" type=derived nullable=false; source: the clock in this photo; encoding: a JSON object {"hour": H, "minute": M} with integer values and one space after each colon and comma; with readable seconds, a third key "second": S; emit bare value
{"hour": 11, "minute": 16}
